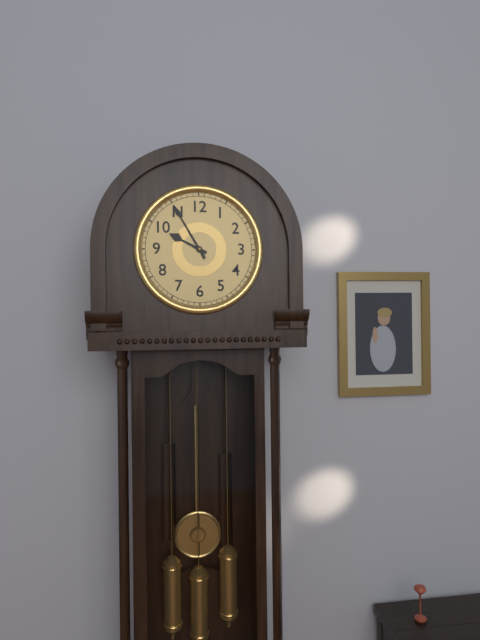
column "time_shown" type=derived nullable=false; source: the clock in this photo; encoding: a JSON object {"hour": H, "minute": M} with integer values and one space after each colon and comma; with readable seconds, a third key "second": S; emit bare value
{"hour": 9, "minute": 55}
